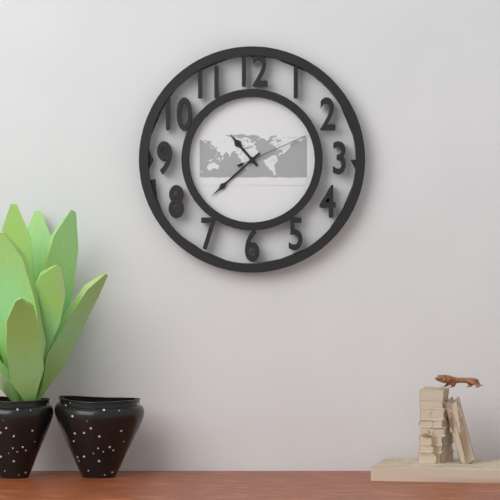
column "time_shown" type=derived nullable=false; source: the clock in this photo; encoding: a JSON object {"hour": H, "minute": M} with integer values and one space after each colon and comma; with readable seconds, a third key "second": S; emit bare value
{"hour": 10, "minute": 38, "second": 11}
